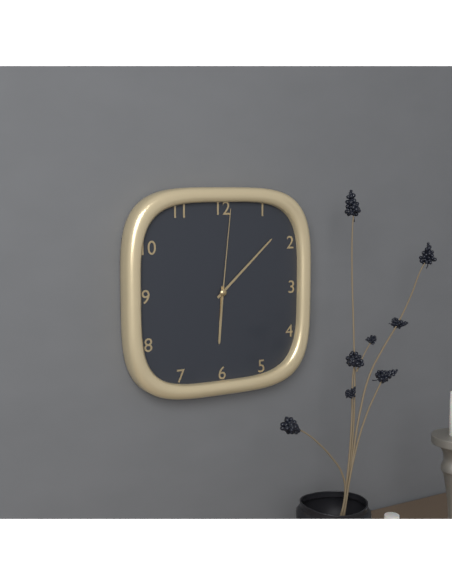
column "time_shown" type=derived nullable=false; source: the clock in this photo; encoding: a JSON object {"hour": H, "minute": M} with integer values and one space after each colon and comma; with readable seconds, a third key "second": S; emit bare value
{"hour": 6, "minute": 8, "second": 1}
